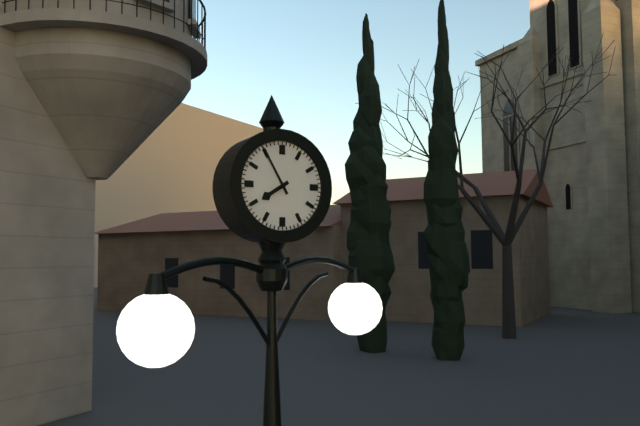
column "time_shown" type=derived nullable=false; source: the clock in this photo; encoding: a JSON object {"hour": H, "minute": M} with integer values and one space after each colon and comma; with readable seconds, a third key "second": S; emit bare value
{"hour": 7, "minute": 55}
